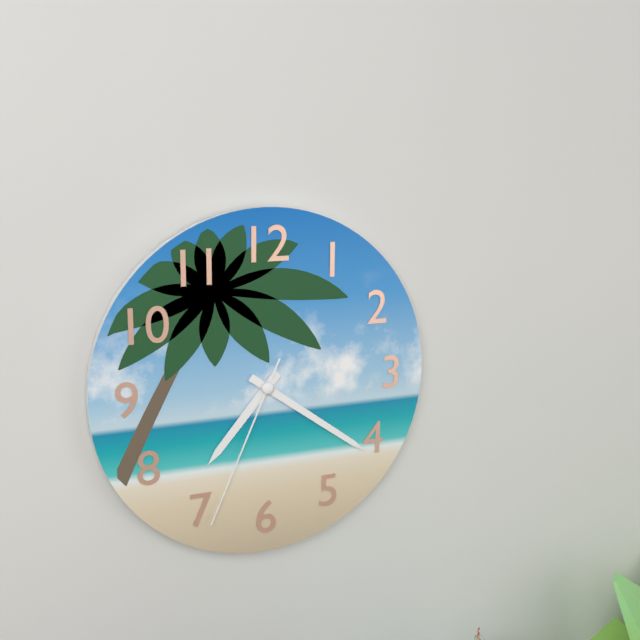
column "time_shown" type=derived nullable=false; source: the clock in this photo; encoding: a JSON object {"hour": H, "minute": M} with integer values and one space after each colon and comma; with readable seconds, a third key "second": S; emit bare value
{"hour": 7, "minute": 21, "second": 34}
